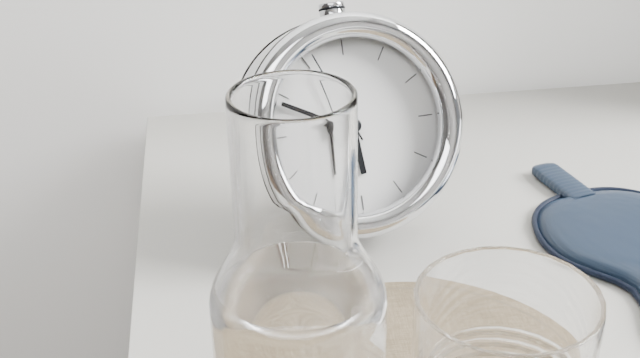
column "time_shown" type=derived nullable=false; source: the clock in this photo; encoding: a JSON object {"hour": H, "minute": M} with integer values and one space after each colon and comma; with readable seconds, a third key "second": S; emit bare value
{"hour": 5, "minute": 49, "second": 56}
